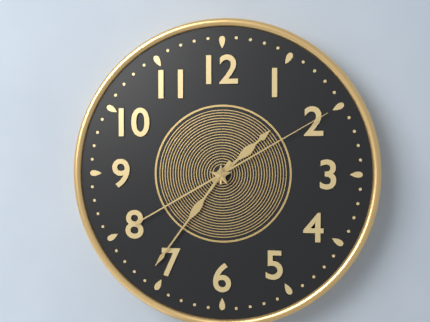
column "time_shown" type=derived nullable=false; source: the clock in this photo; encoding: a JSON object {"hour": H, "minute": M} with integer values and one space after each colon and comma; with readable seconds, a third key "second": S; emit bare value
{"hour": 1, "minute": 36, "second": 10}
